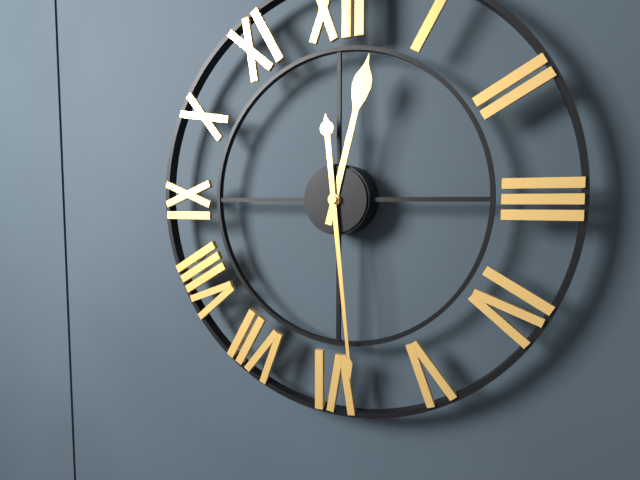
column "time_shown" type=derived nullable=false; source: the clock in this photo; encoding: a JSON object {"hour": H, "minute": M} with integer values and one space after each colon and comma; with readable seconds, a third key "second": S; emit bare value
{"hour": 12, "minute": 29}
